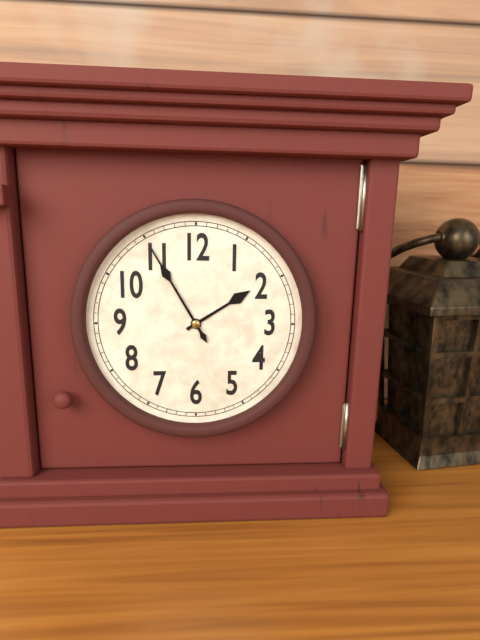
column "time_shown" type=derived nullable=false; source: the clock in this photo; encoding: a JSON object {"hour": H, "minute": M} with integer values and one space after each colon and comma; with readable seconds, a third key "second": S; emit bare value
{"hour": 1, "minute": 55}
